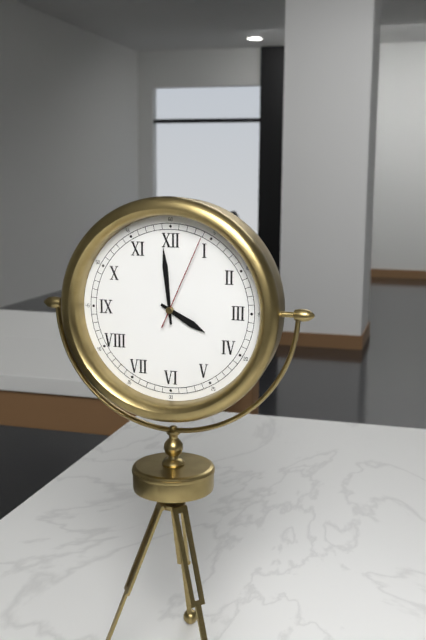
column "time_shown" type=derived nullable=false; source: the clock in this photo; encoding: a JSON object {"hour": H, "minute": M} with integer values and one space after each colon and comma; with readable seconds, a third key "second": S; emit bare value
{"hour": 3, "minute": 59, "second": 4}
